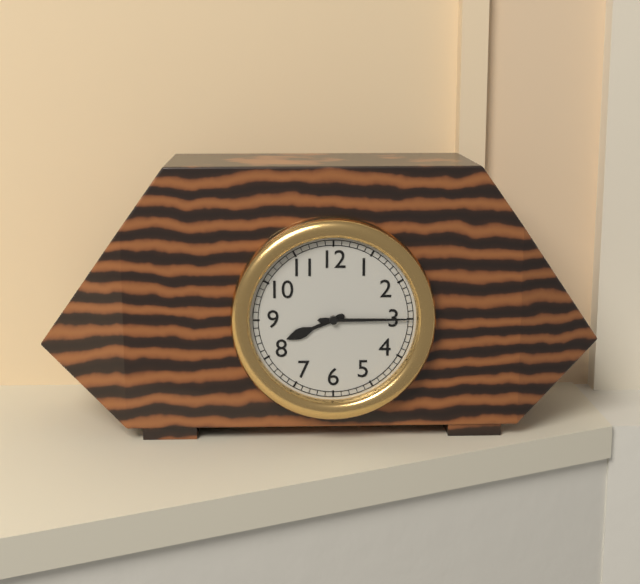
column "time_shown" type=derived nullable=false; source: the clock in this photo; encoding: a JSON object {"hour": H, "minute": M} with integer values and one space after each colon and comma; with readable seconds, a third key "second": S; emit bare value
{"hour": 8, "minute": 15}
